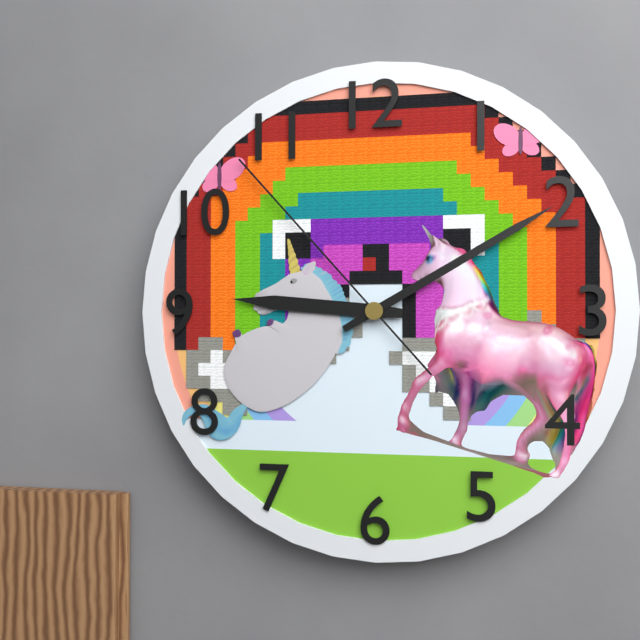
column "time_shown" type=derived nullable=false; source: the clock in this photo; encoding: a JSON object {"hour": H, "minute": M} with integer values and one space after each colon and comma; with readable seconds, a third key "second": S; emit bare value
{"hour": 9, "minute": 10, "second": 53}
